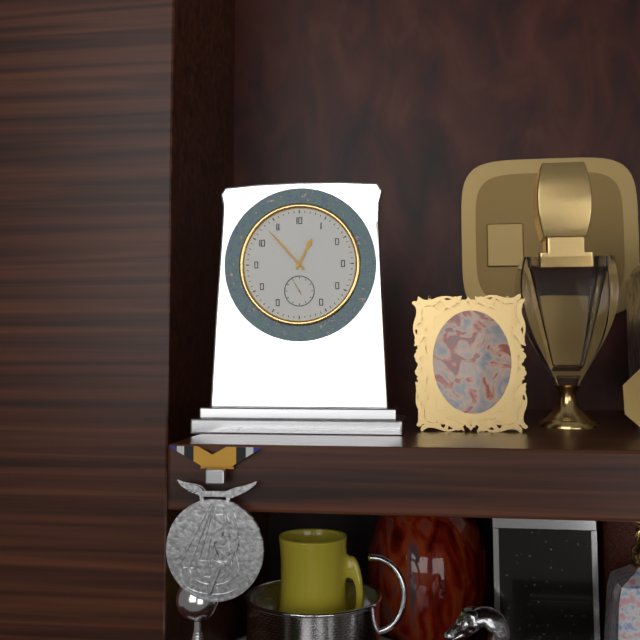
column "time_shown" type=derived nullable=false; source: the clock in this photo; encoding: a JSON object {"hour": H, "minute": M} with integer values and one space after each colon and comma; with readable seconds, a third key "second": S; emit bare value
{"hour": 12, "minute": 53}
